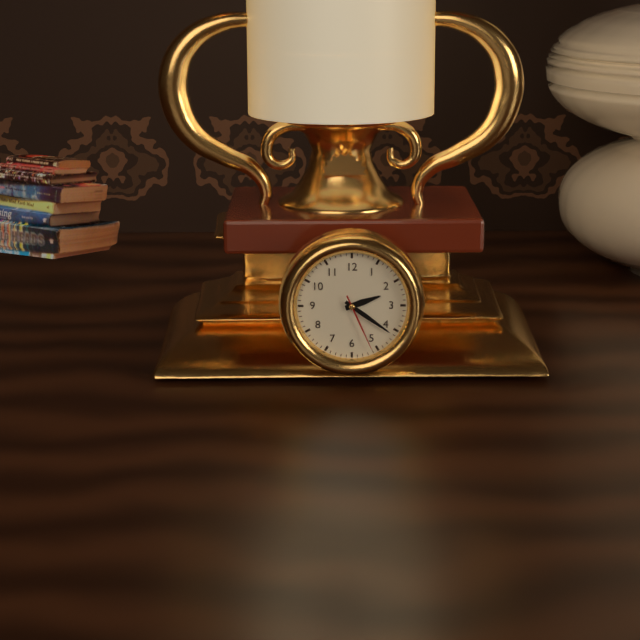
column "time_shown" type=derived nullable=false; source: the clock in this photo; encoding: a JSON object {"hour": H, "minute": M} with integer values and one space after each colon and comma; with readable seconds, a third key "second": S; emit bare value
{"hour": 2, "minute": 21, "second": 26}
